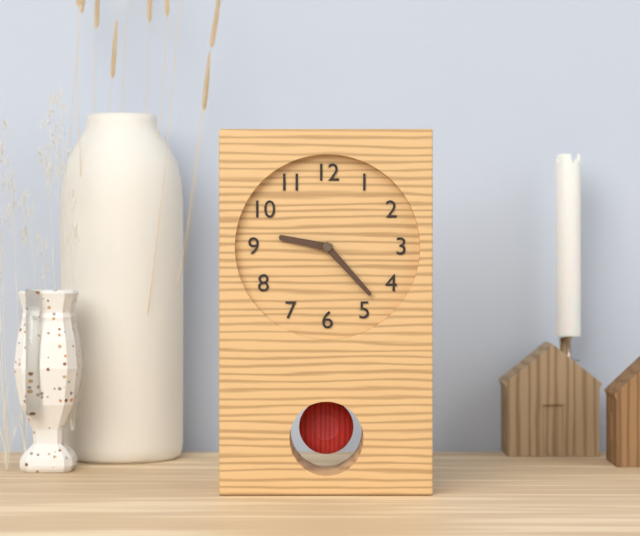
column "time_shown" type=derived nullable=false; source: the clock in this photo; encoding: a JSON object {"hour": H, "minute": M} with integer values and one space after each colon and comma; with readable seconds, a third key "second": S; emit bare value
{"hour": 9, "minute": 23}
